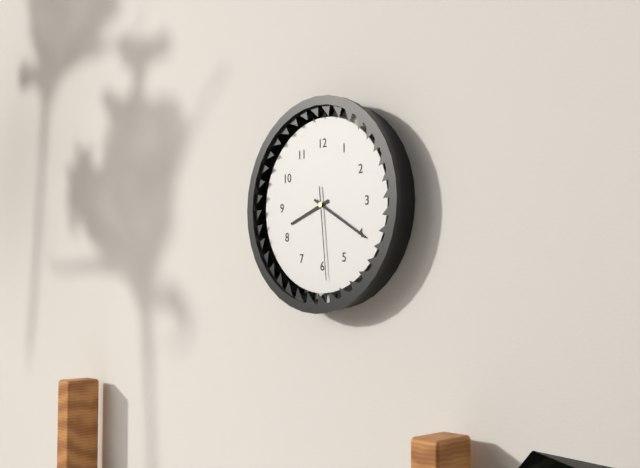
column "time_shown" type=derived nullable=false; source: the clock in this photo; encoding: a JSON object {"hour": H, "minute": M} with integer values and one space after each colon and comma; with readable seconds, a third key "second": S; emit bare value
{"hour": 8, "minute": 20, "second": 29}
